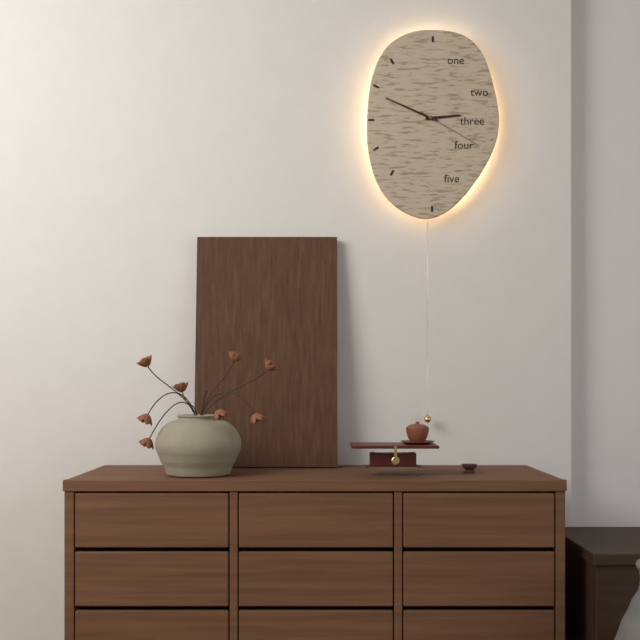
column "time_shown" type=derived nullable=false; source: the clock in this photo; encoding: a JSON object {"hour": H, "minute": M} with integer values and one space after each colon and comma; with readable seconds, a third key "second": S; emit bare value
{"hour": 2, "minute": 49, "second": 20}
